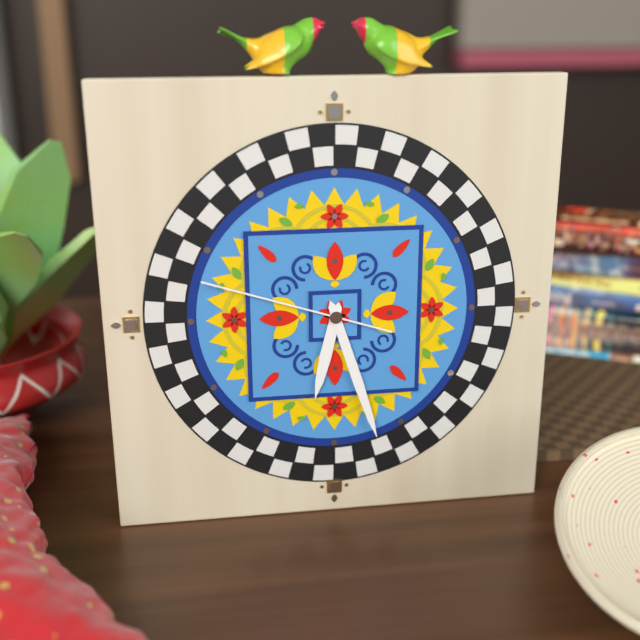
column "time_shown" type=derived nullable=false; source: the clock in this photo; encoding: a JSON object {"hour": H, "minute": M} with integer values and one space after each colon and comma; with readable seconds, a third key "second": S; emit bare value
{"hour": 6, "minute": 27, "second": 48}
